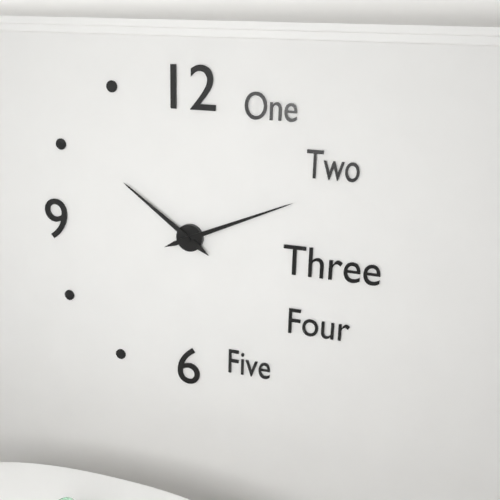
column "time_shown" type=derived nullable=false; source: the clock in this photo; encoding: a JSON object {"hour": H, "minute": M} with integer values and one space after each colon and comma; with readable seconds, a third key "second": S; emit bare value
{"hour": 10, "minute": 11}
